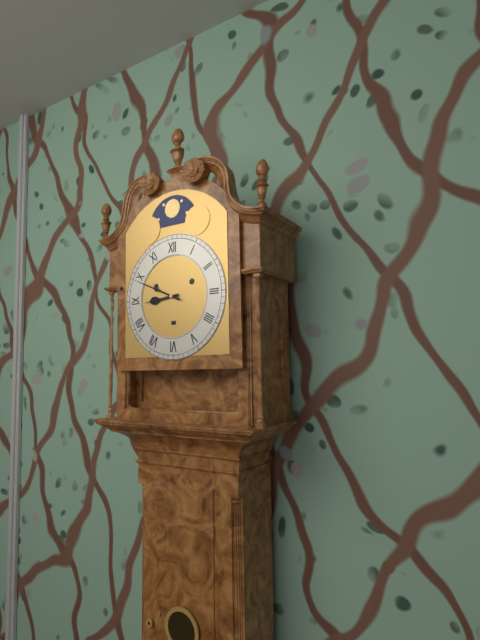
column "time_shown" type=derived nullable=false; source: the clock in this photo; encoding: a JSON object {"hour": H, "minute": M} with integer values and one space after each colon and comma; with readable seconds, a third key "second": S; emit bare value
{"hour": 8, "minute": 49}
